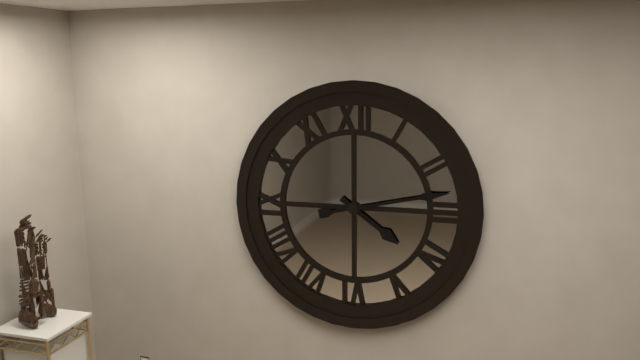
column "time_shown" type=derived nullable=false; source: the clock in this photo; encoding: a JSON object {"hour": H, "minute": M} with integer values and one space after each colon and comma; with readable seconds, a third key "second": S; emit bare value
{"hour": 4, "minute": 13}
